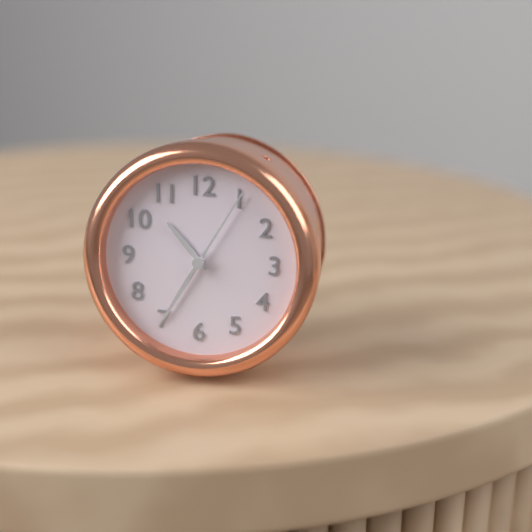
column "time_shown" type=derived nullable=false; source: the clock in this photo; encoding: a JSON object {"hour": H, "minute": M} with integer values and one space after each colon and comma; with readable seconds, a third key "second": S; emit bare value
{"hour": 10, "minute": 35, "second": 5}
